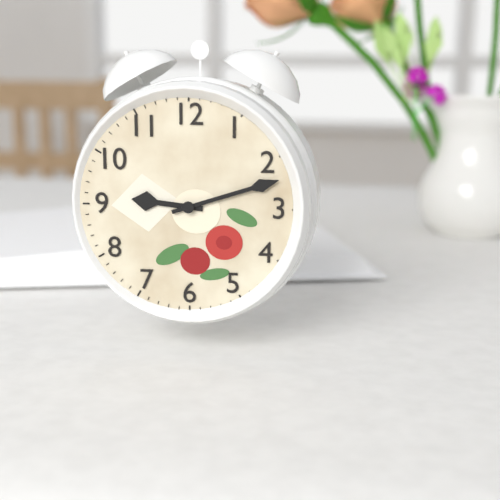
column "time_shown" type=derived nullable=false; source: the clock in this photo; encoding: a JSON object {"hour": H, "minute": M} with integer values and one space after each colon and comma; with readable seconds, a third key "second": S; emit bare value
{"hour": 9, "minute": 12}
